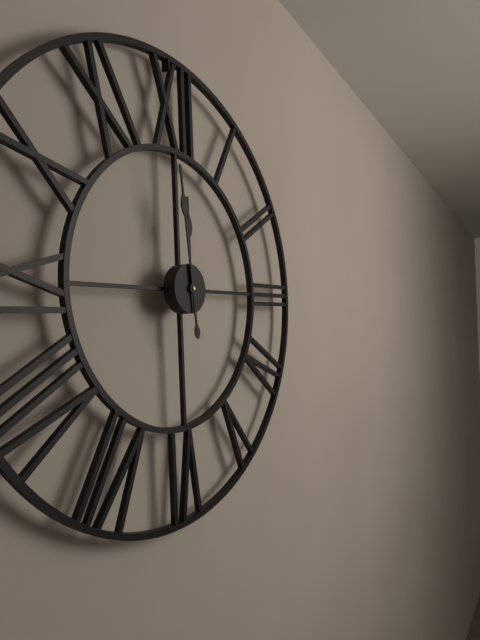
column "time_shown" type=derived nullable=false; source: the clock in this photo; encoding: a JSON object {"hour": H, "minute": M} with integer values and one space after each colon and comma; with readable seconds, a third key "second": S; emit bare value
{"hour": 11, "minute": 59}
